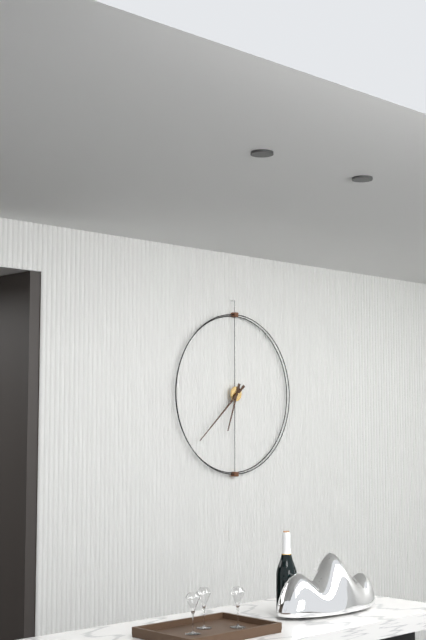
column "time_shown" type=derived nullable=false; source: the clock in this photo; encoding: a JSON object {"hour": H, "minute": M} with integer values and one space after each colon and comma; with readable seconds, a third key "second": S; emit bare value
{"hour": 6, "minute": 38}
